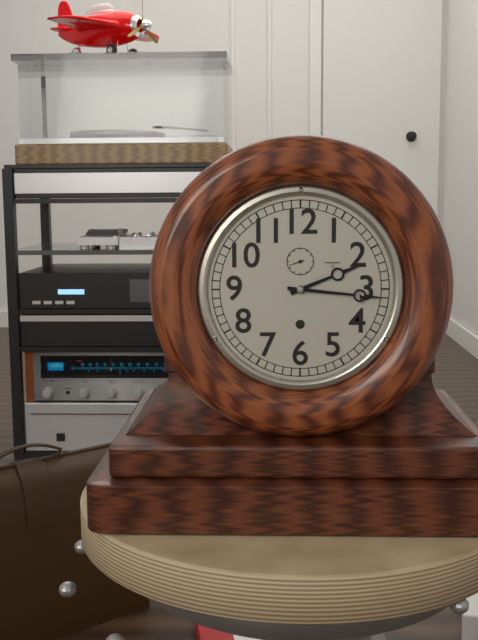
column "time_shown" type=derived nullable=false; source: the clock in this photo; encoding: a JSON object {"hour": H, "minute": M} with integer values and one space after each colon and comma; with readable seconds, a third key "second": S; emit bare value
{"hour": 2, "minute": 16}
